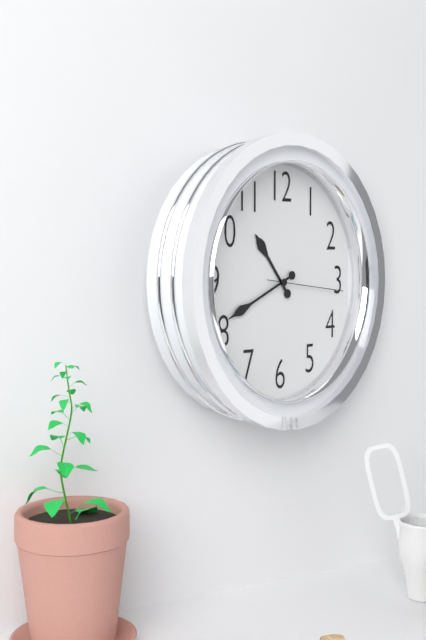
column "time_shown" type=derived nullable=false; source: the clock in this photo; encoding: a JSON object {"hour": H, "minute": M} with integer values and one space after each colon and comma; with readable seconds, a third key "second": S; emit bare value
{"hour": 10, "minute": 41, "second": 16}
